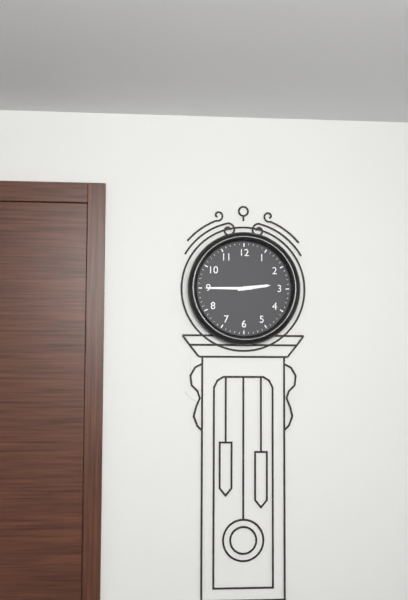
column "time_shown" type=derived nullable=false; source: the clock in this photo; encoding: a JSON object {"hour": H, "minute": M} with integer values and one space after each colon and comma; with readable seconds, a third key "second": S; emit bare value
{"hour": 2, "minute": 45}
